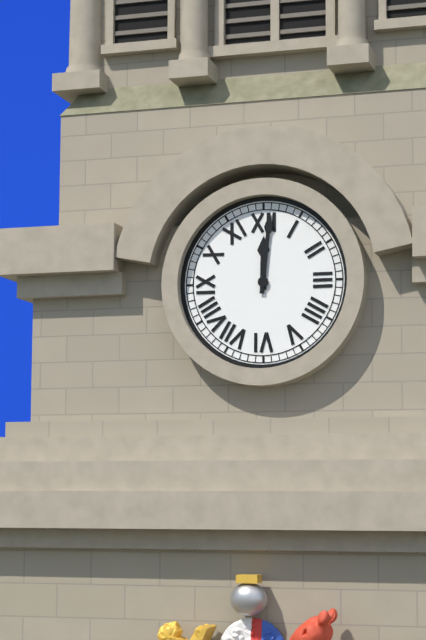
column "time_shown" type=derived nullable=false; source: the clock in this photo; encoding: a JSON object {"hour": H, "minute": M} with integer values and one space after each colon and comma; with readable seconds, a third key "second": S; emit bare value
{"hour": 12, "minute": 1}
